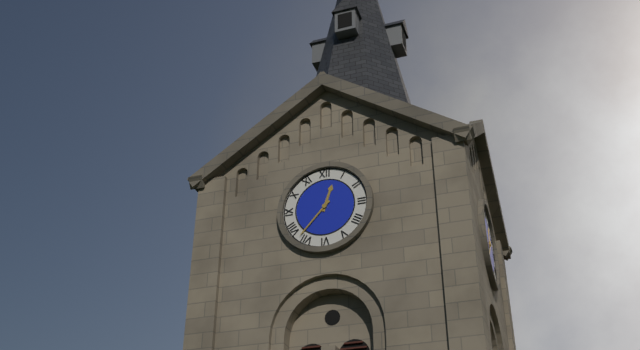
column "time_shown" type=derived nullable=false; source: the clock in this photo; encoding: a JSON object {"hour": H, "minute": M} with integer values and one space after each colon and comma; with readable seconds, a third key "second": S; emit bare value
{"hour": 12, "minute": 37}
